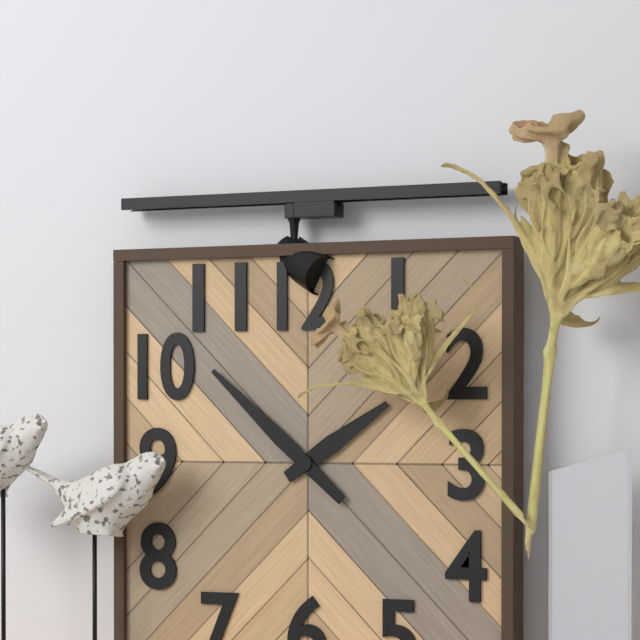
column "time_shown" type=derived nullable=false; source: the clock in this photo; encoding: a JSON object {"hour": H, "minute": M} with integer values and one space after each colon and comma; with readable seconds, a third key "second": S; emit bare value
{"hour": 1, "minute": 52}
